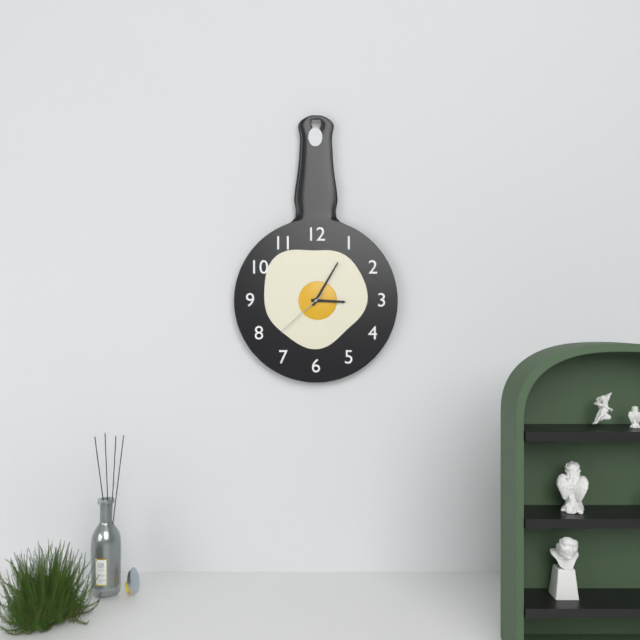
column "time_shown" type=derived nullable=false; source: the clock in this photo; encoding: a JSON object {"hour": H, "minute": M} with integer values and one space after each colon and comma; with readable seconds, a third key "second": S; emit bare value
{"hour": 3, "minute": 5, "second": 38}
